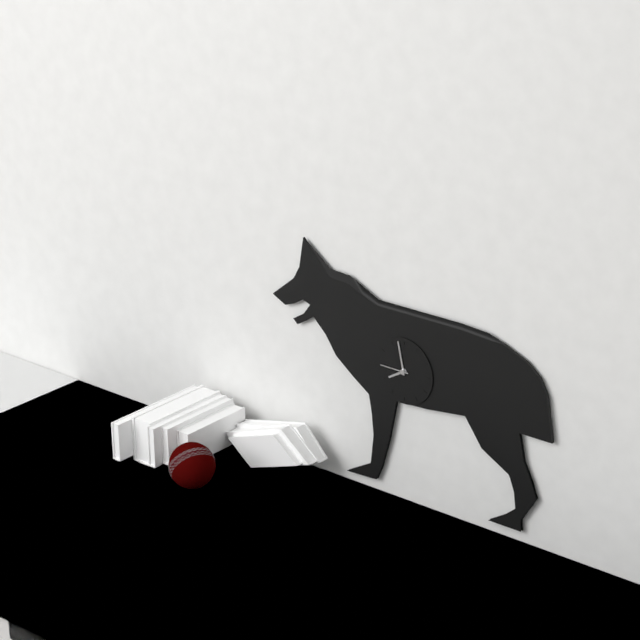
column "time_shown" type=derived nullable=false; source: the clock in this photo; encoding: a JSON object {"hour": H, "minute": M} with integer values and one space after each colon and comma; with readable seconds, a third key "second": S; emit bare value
{"hour": 7, "minute": 58}
